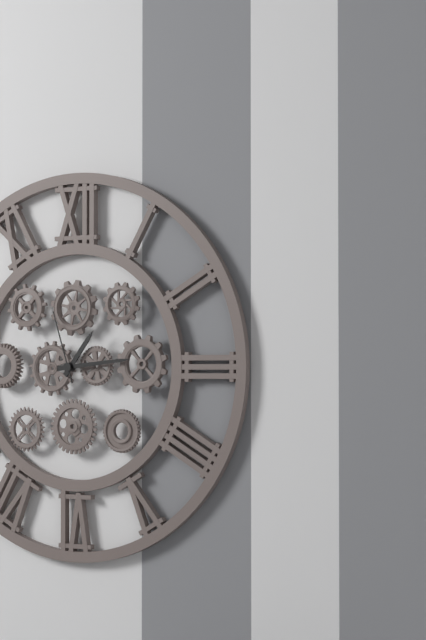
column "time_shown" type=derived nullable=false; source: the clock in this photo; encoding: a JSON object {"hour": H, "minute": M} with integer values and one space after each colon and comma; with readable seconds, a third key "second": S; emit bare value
{"hour": 1, "minute": 14, "second": 57}
